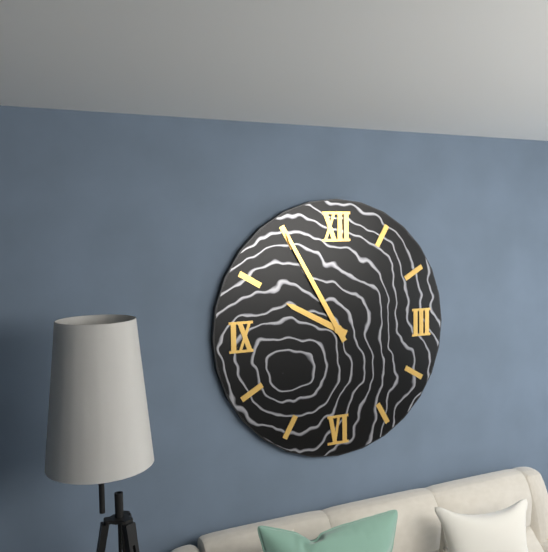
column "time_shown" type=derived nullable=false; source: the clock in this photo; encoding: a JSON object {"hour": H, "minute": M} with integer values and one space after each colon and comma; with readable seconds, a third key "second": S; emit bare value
{"hour": 9, "minute": 55}
